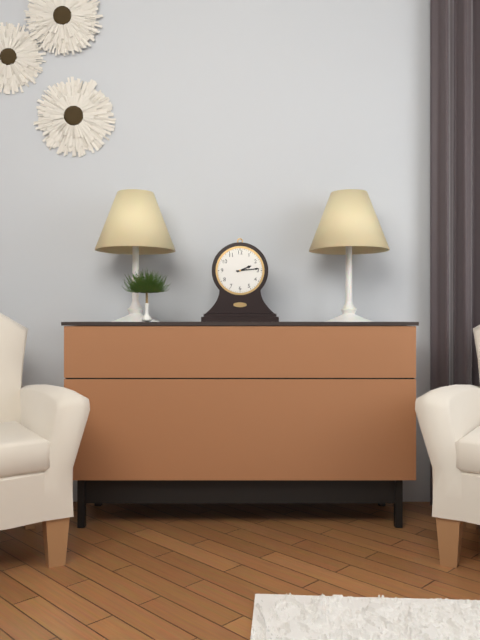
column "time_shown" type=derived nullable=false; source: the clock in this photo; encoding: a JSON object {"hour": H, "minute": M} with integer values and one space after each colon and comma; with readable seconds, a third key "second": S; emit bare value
{"hour": 2, "minute": 14}
